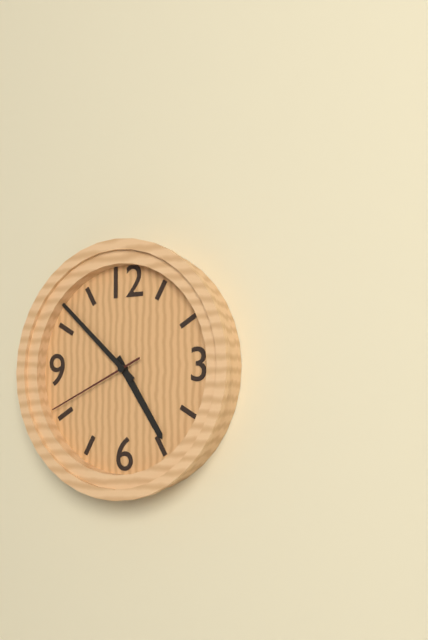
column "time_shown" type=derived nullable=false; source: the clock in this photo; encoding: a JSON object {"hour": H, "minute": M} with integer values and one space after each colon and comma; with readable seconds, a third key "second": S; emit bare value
{"hour": 4, "minute": 52, "second": 41}
